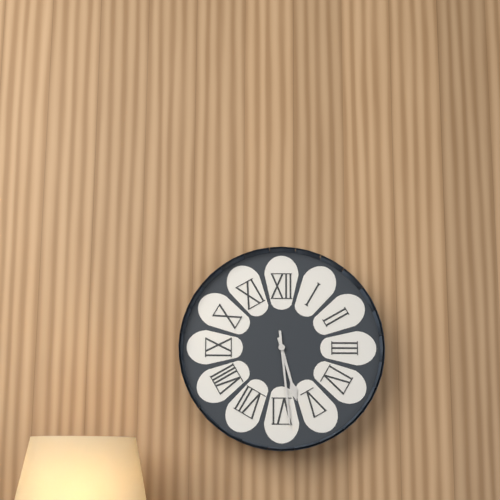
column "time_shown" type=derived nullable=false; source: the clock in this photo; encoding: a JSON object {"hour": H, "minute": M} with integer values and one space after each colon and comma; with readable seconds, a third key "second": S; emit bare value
{"hour": 5, "minute": 29}
